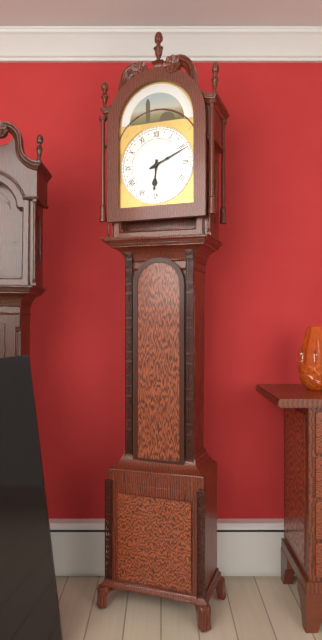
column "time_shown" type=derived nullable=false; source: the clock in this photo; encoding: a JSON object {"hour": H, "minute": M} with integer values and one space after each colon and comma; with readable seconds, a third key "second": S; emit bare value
{"hour": 6, "minute": 11}
